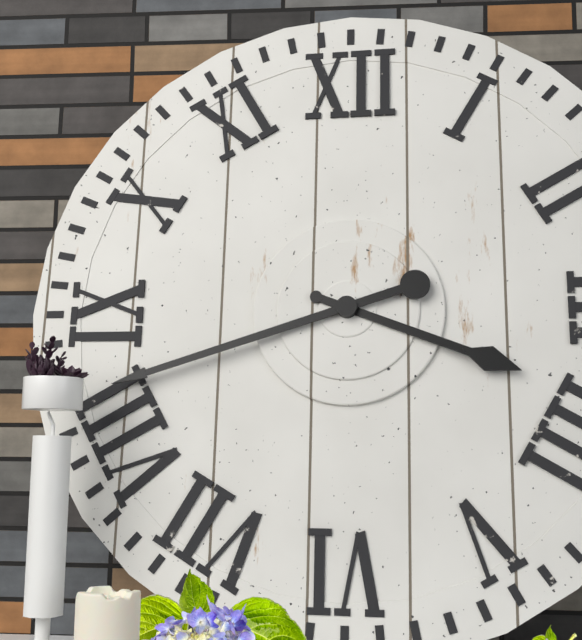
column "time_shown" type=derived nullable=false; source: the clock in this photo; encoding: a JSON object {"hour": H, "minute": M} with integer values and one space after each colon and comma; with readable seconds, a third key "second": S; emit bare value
{"hour": 3, "minute": 42}
